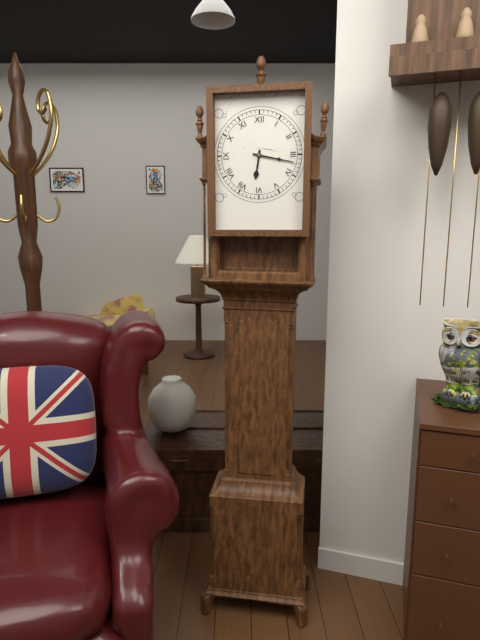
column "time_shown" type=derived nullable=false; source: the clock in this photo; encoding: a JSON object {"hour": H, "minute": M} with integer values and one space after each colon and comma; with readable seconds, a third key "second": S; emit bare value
{"hour": 6, "minute": 17}
